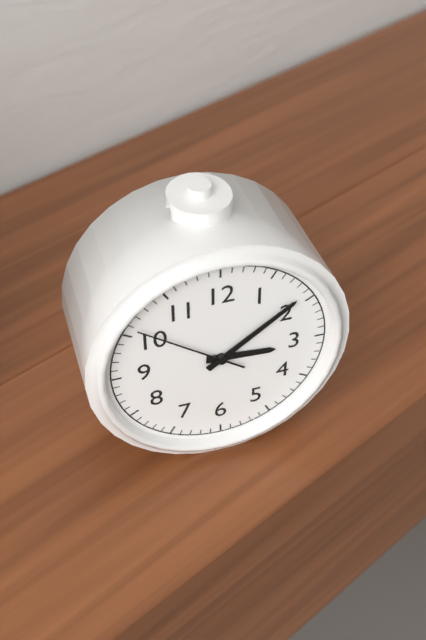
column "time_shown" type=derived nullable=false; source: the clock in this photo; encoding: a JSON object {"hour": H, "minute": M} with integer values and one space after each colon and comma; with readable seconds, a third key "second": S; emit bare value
{"hour": 3, "minute": 9, "second": 51}
